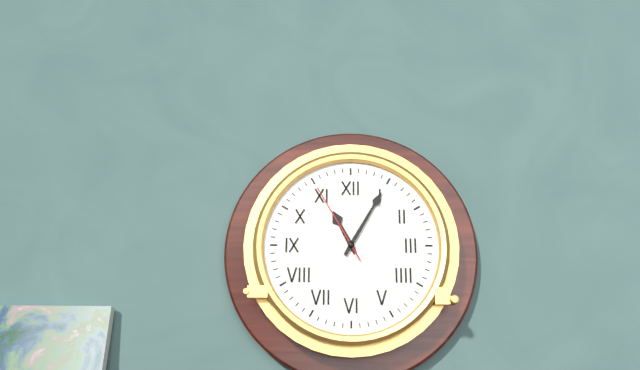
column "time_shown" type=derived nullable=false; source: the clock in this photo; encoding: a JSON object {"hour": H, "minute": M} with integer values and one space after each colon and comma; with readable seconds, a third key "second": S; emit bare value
{"hour": 11, "minute": 5, "second": 55}
